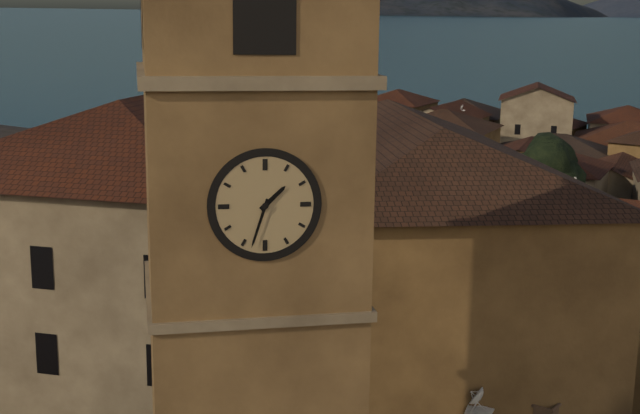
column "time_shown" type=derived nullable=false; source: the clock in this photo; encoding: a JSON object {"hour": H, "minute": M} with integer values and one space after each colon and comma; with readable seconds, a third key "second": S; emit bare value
{"hour": 1, "minute": 33}
